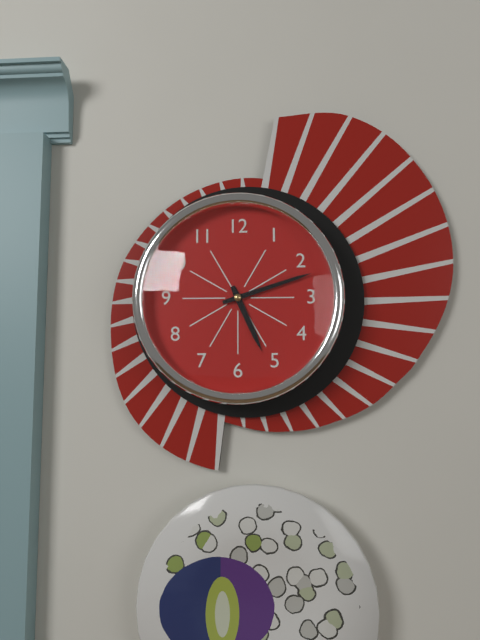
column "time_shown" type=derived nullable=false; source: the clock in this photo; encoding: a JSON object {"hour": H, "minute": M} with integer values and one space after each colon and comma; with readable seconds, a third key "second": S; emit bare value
{"hour": 5, "minute": 12}
